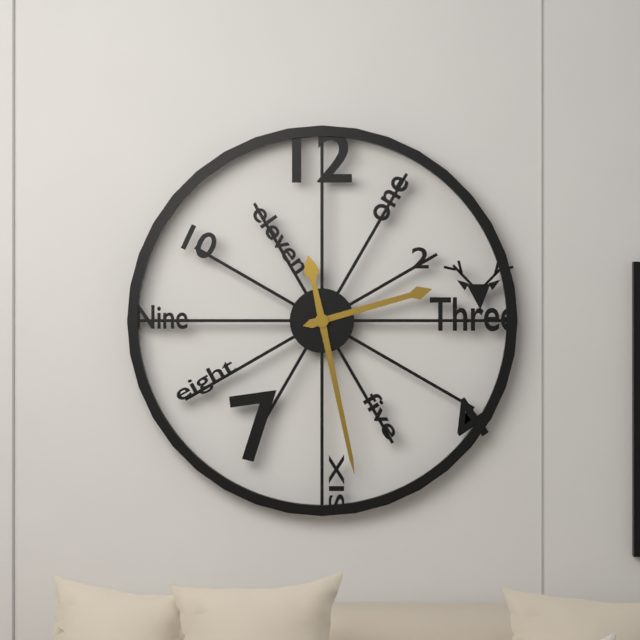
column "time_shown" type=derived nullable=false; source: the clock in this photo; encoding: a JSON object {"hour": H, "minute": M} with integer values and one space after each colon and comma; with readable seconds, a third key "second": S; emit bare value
{"hour": 2, "minute": 28}
